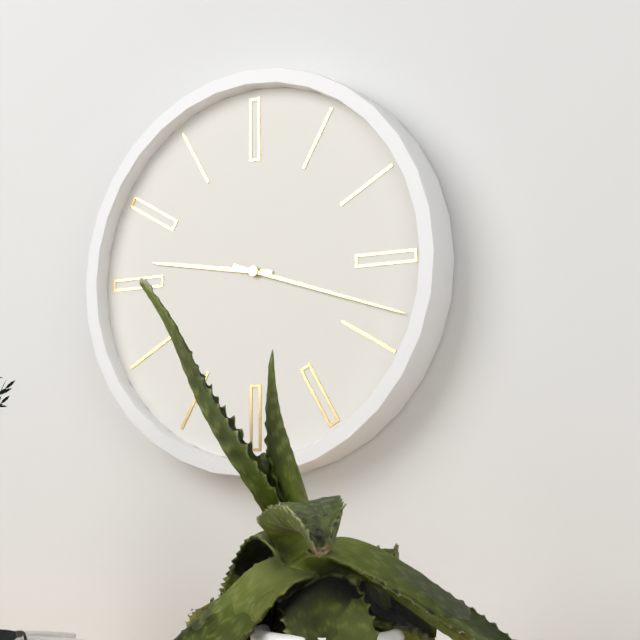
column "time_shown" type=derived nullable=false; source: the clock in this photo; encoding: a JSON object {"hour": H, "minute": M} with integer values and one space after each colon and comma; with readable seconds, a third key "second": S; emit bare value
{"hour": 9, "minute": 18}
